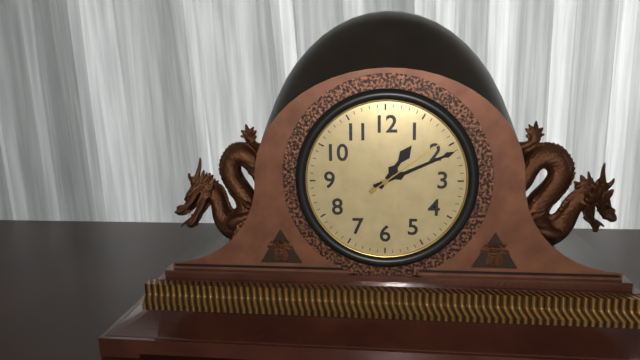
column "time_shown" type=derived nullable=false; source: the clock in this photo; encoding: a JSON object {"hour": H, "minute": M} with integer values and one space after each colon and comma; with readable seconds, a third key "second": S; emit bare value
{"hour": 1, "minute": 11, "second": 9}
